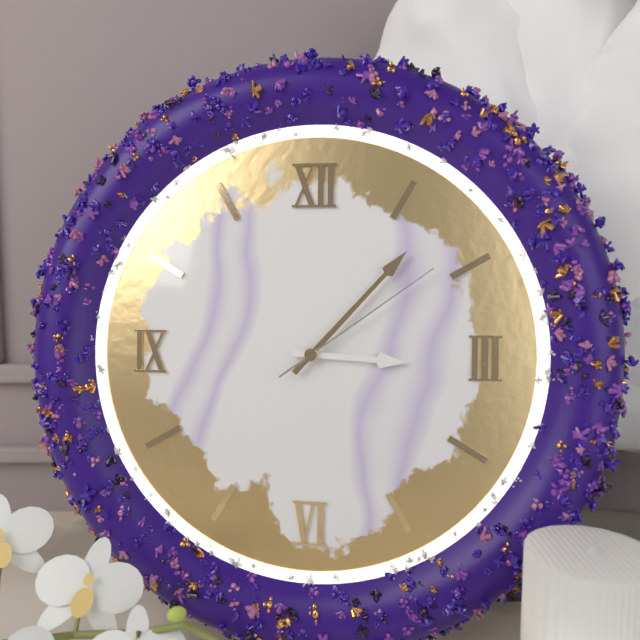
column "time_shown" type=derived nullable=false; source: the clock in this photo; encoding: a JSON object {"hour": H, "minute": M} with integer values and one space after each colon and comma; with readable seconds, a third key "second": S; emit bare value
{"hour": 3, "minute": 7, "second": 9}
